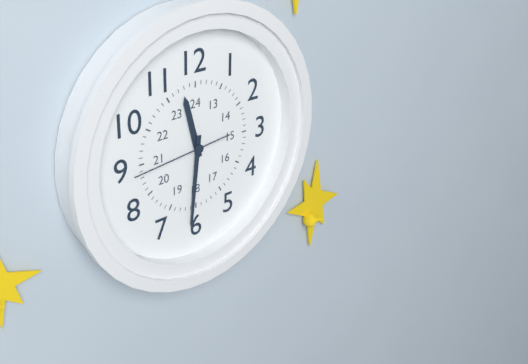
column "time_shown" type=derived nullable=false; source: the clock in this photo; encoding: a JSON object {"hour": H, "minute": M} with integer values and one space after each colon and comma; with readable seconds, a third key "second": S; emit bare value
{"hour": 11, "minute": 31, "second": 44}
